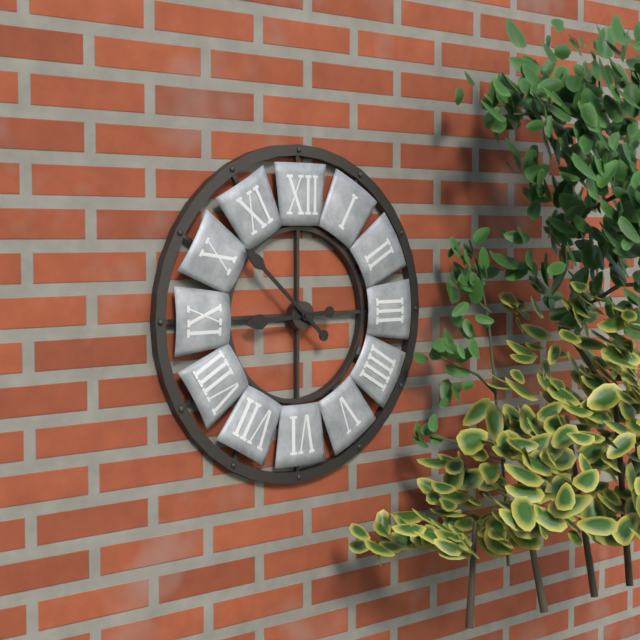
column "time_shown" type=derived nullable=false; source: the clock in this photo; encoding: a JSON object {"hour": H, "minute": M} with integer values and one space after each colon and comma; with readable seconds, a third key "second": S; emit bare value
{"hour": 8, "minute": 52}
